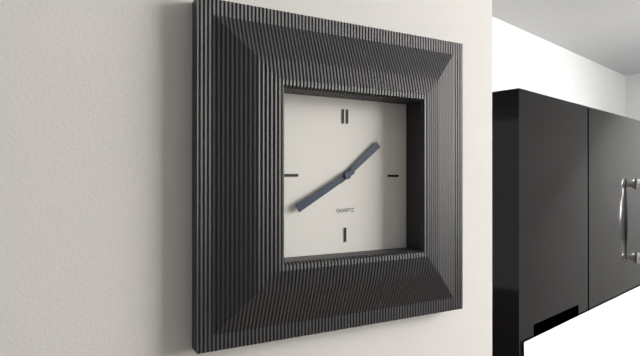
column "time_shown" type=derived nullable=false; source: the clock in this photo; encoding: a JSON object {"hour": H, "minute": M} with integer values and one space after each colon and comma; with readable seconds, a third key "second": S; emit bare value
{"hour": 1, "minute": 40}
